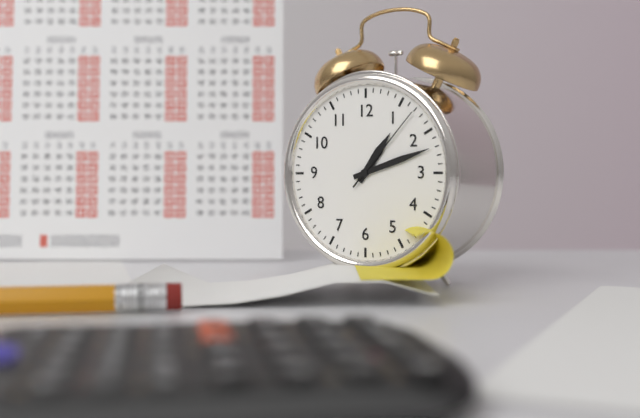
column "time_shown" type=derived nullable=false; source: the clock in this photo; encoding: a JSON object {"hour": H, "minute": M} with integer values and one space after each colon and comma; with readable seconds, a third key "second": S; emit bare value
{"hour": 1, "minute": 12, "second": 7}
